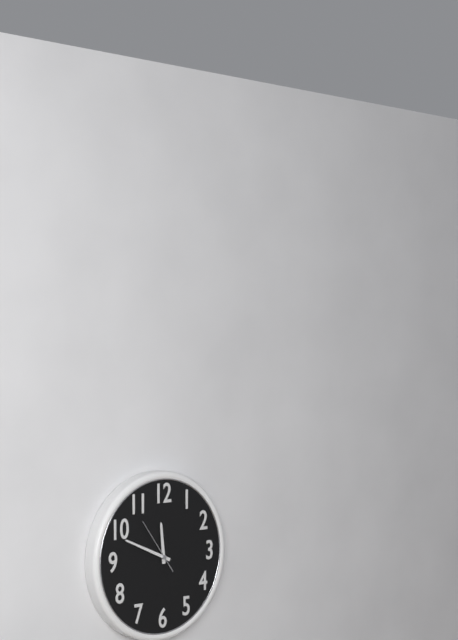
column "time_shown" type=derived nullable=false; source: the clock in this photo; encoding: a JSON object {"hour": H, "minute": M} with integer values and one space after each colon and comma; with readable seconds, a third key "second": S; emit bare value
{"hour": 11, "minute": 49, "second": 54}
